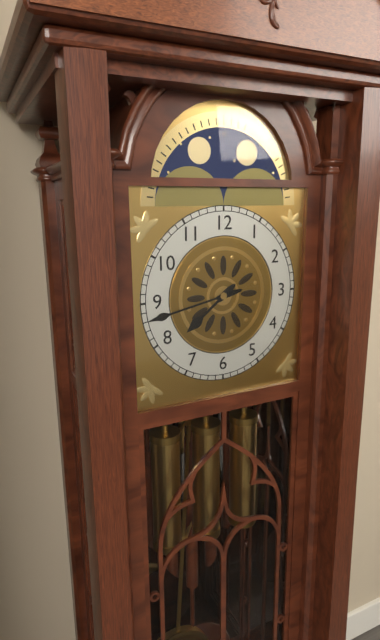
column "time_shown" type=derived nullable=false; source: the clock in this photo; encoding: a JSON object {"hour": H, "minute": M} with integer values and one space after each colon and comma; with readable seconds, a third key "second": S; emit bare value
{"hour": 7, "minute": 43}
